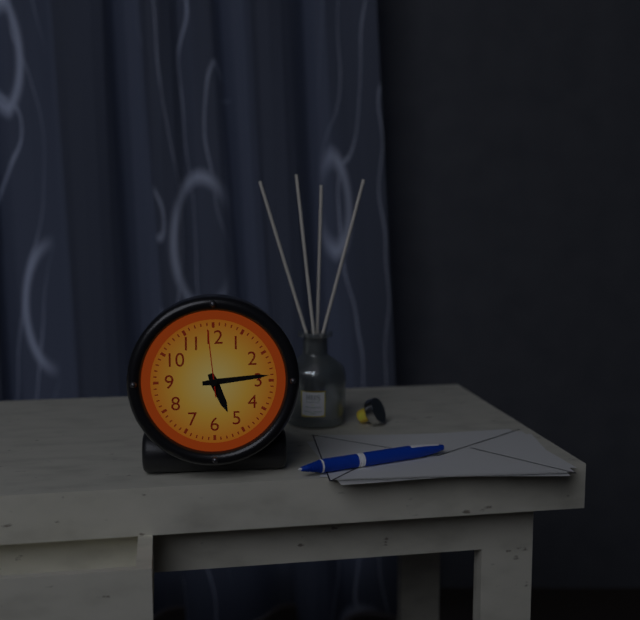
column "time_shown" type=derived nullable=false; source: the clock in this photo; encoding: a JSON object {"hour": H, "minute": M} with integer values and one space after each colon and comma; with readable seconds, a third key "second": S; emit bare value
{"hour": 5, "minute": 14, "second": 59}
